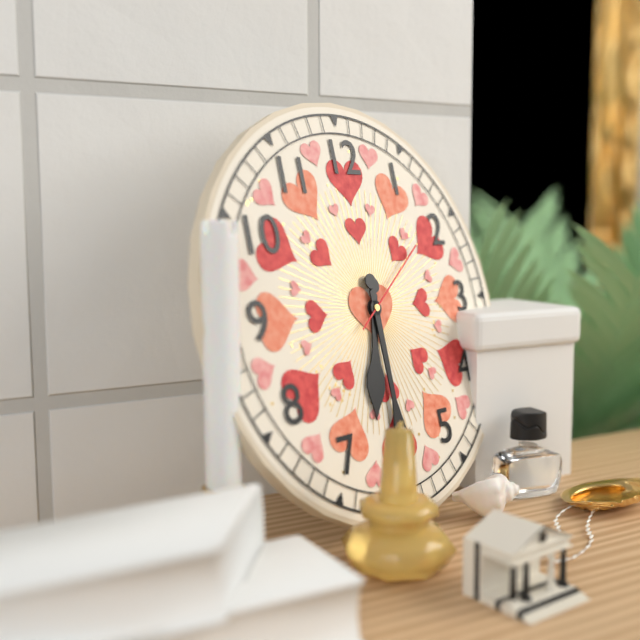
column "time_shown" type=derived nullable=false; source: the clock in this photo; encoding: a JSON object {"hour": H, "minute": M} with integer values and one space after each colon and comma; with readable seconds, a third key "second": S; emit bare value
{"hour": 6, "minute": 30, "second": 9}
